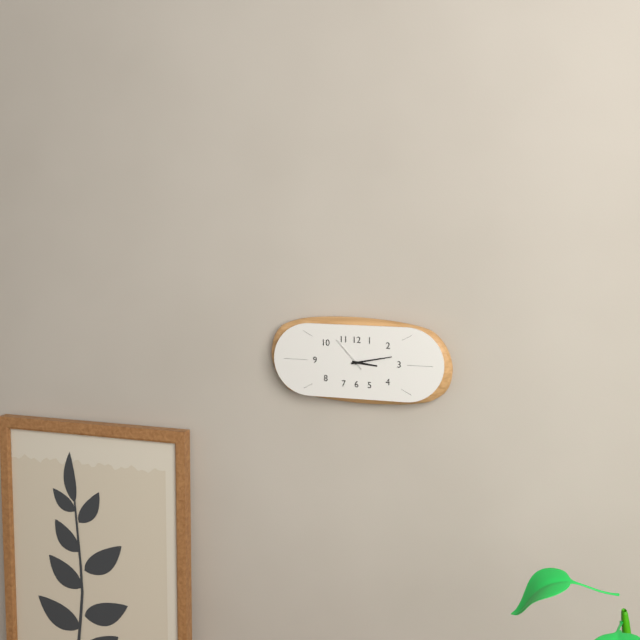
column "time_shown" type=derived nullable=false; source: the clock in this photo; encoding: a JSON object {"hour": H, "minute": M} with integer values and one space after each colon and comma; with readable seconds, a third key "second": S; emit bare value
{"hour": 3, "minute": 13}
